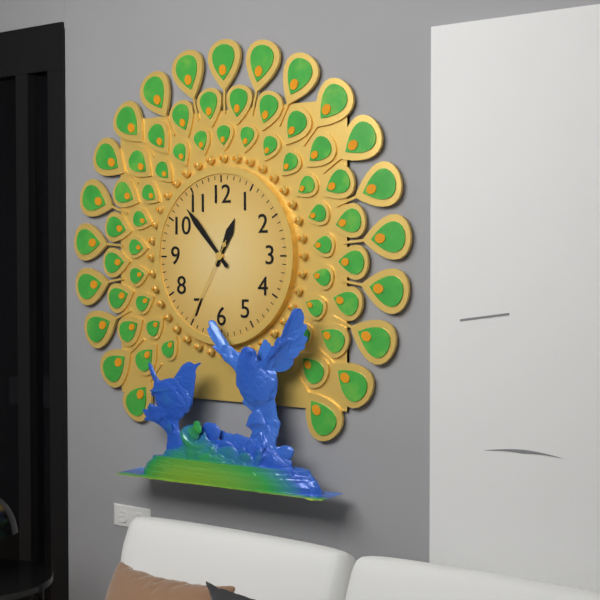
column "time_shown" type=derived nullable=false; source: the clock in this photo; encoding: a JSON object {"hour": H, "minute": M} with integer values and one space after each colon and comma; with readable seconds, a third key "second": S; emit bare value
{"hour": 12, "minute": 53, "second": 35}
